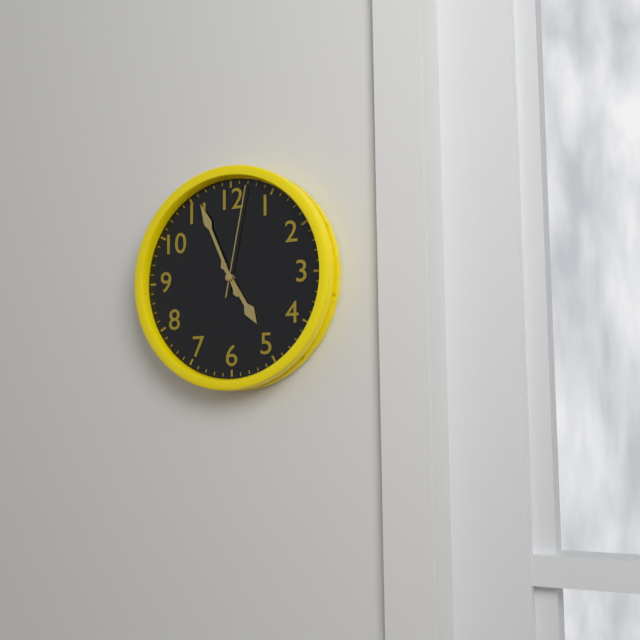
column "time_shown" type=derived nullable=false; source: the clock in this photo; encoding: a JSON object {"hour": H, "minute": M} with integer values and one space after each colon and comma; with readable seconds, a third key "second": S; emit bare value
{"hour": 4, "minute": 56, "second": 2}
